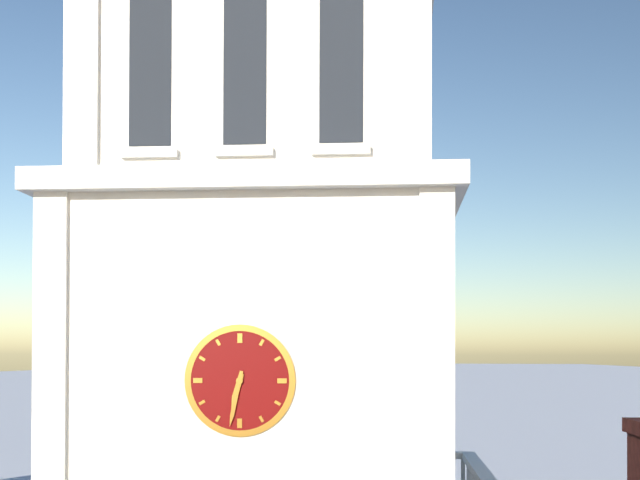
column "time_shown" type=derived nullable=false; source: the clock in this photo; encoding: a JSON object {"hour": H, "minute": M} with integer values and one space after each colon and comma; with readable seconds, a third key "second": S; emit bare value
{"hour": 6, "minute": 32}
